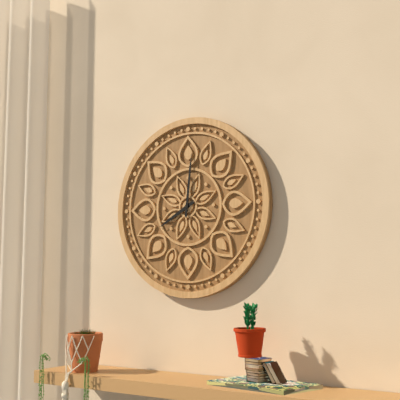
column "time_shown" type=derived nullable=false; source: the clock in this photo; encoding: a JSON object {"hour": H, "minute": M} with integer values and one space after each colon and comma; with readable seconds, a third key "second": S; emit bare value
{"hour": 8, "minute": 1}
